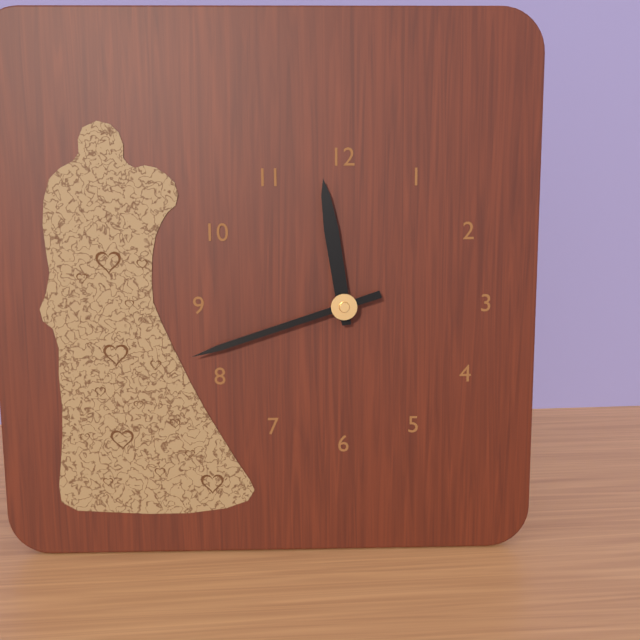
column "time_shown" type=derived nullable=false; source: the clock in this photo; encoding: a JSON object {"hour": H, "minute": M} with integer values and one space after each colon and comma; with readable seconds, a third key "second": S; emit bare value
{"hour": 11, "minute": 42}
